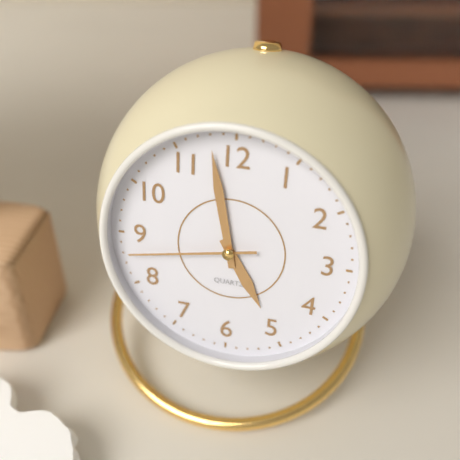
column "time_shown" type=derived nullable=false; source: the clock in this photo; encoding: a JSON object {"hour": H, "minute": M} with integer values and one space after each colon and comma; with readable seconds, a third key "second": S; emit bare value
{"hour": 4, "minute": 58, "second": 43}
